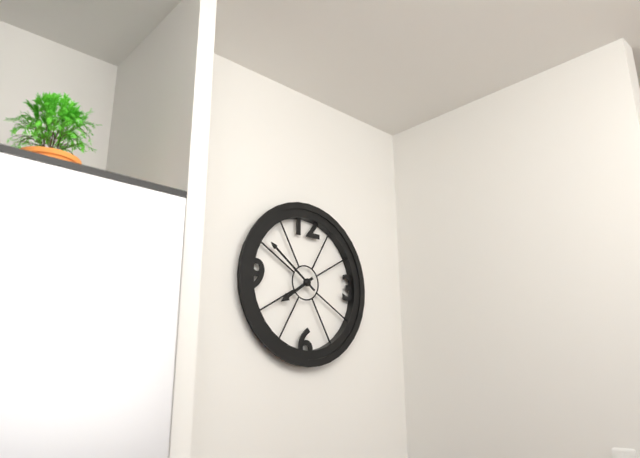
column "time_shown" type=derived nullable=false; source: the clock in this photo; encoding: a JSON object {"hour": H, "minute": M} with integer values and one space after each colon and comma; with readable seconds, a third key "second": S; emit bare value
{"hour": 7, "minute": 51}
